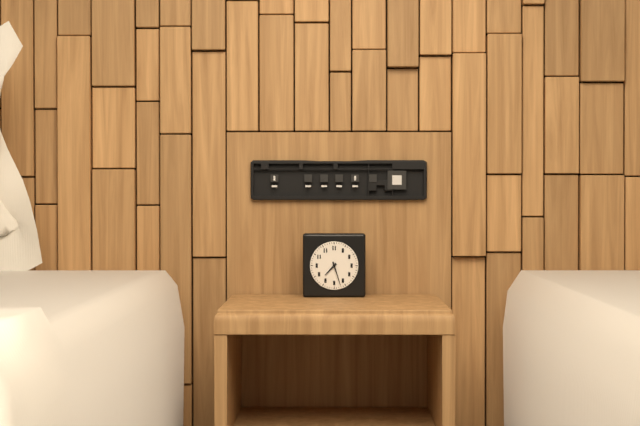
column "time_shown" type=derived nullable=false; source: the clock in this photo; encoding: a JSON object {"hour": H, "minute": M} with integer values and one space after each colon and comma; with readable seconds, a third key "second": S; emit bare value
{"hour": 7, "minute": 27}
